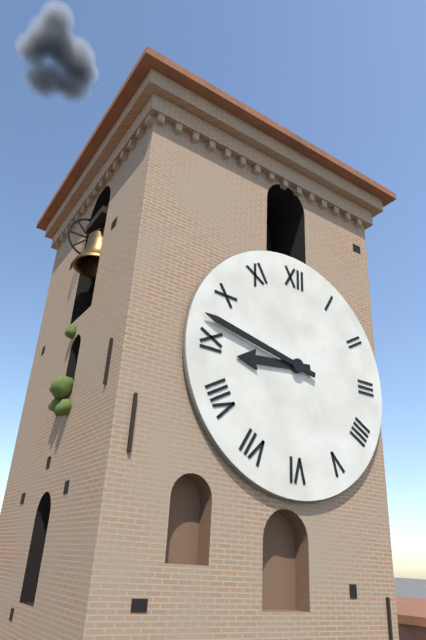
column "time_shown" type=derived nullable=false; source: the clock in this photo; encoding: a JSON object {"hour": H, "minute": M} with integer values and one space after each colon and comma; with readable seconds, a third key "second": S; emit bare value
{"hour": 8, "minute": 47}
